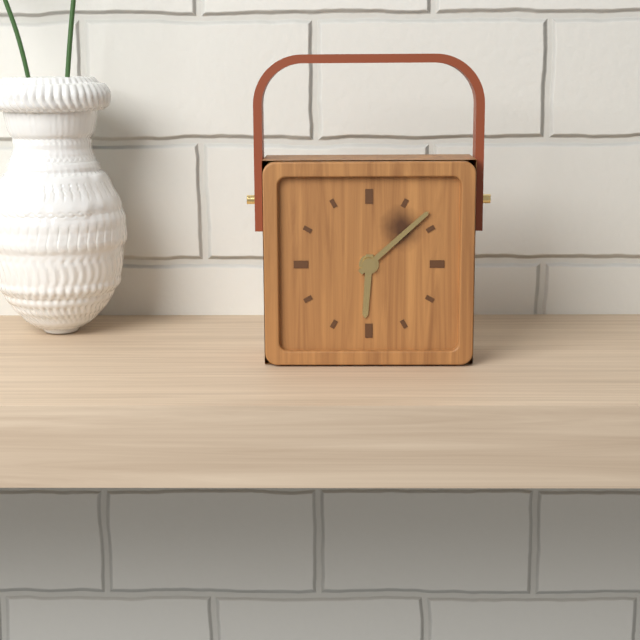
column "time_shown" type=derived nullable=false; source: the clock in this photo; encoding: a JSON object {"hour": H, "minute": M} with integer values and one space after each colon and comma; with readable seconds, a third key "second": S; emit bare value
{"hour": 6, "minute": 8}
